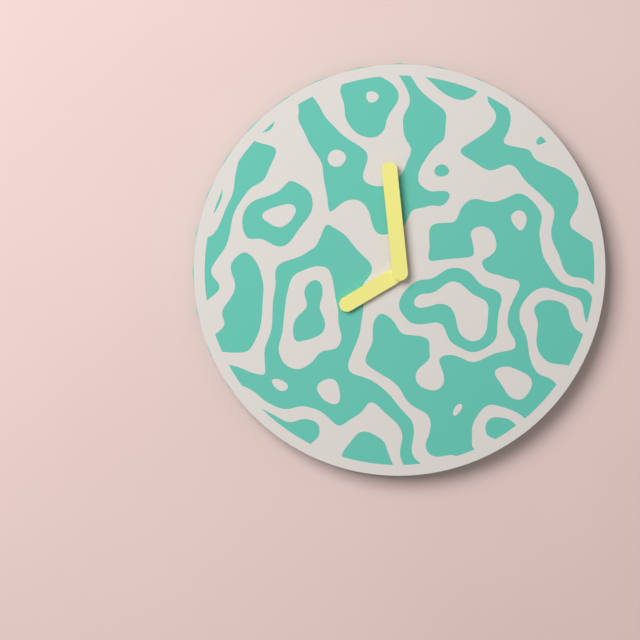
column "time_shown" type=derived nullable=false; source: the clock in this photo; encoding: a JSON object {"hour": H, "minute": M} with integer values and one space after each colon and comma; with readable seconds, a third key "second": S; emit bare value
{"hour": 7, "minute": 59}
